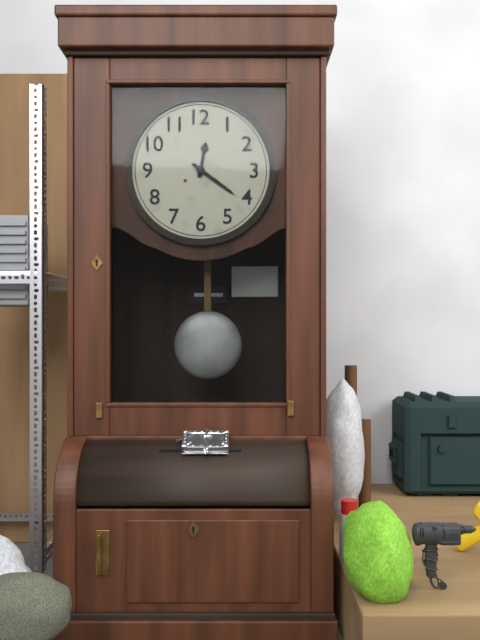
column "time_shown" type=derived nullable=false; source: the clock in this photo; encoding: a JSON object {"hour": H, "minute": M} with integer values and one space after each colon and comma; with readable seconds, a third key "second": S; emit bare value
{"hour": 12, "minute": 21}
